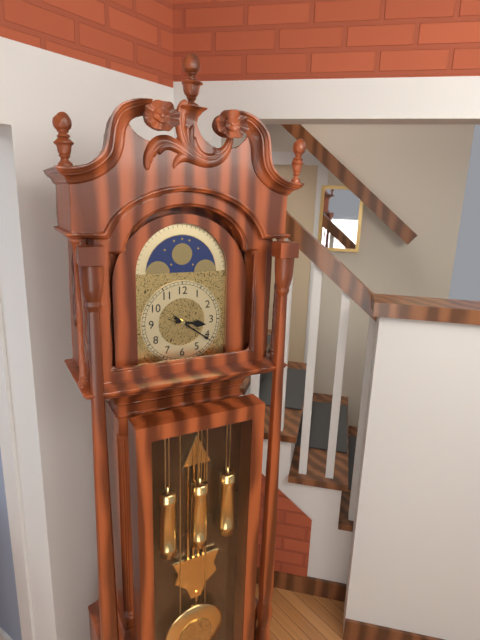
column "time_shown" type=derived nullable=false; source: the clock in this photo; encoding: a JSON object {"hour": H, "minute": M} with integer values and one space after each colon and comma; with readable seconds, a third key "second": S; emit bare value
{"hour": 3, "minute": 21}
